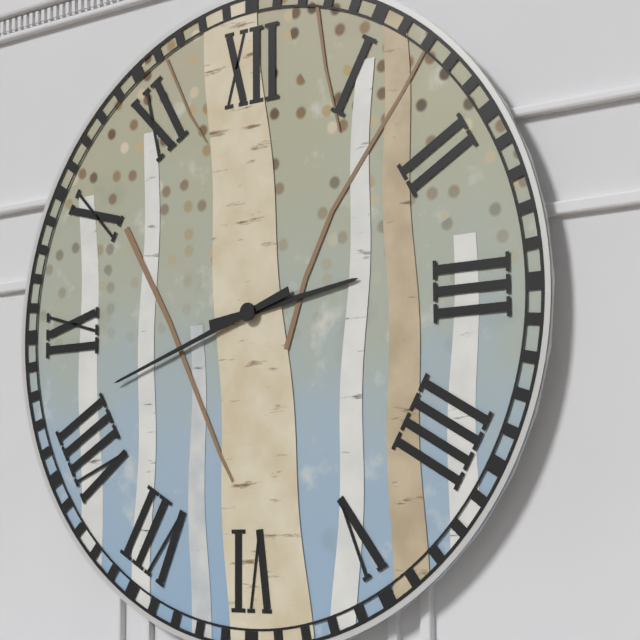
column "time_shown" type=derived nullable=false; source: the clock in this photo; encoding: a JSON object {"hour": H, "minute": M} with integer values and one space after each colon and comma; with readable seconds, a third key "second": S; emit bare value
{"hour": 2, "minute": 42}
